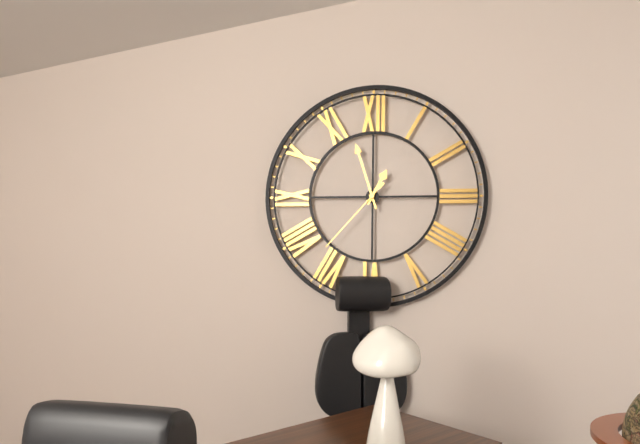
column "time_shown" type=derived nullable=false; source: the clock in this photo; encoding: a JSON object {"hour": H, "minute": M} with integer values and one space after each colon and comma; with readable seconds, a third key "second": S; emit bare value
{"hour": 12, "minute": 57, "second": 37}
